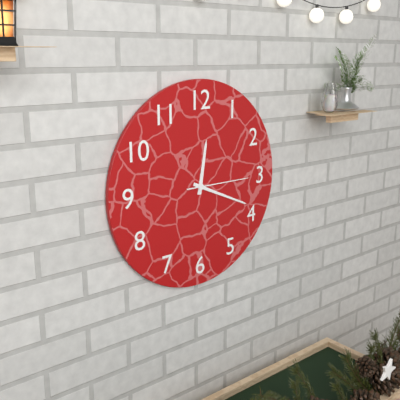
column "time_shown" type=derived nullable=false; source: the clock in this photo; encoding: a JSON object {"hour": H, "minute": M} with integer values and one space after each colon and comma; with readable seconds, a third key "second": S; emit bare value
{"hour": 12, "minute": 19, "second": 15}
